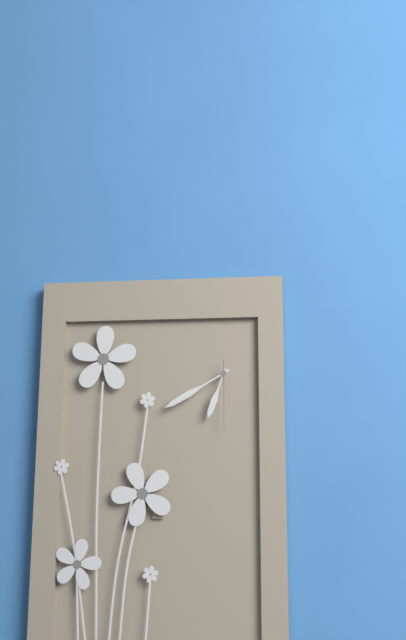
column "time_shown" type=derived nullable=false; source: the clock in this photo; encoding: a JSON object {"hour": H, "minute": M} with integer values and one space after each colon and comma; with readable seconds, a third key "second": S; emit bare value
{"hour": 6, "minute": 40, "second": 30}
